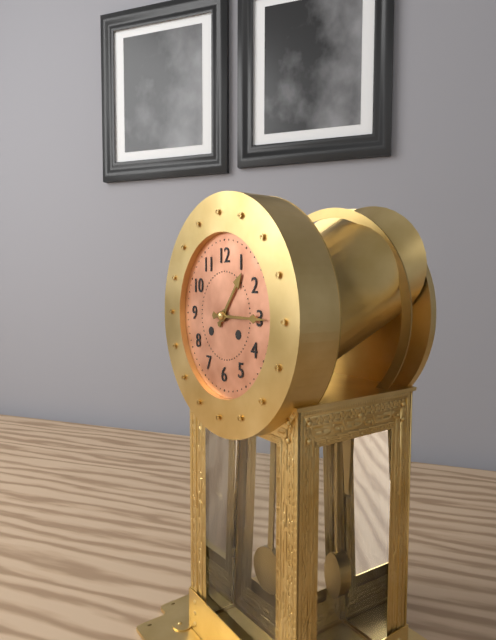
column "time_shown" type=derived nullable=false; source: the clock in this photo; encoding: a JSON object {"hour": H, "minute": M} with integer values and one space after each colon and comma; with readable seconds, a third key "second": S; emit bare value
{"hour": 1, "minute": 15}
